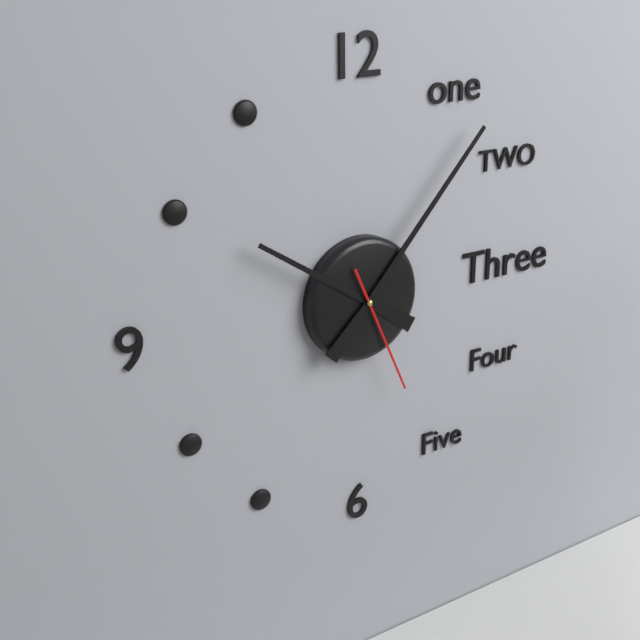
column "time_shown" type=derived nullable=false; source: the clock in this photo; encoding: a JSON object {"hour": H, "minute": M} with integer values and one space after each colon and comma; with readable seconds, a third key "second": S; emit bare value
{"hour": 10, "minute": 7, "second": 26}
